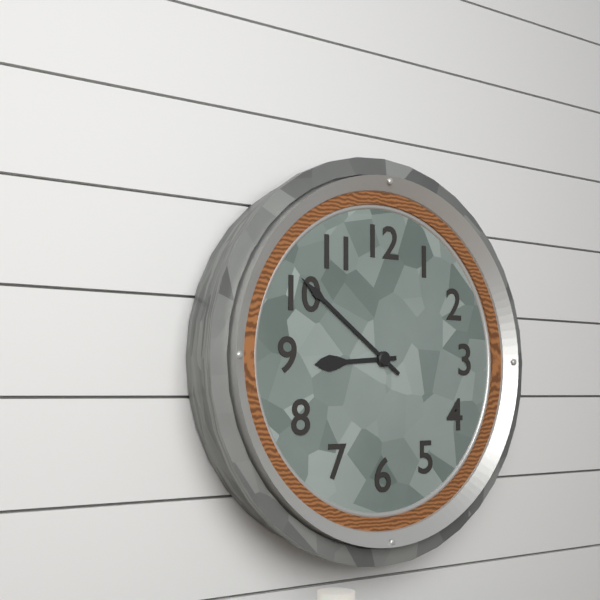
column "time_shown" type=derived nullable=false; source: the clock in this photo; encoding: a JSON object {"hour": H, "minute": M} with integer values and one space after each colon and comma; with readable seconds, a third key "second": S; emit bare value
{"hour": 8, "minute": 51}
